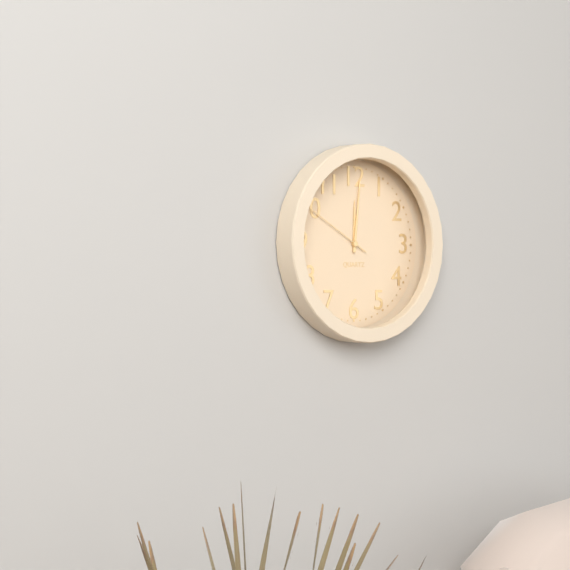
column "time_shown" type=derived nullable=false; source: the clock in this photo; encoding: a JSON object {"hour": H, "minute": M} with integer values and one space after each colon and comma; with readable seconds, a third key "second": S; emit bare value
{"hour": 12, "minute": 1, "second": 50}
